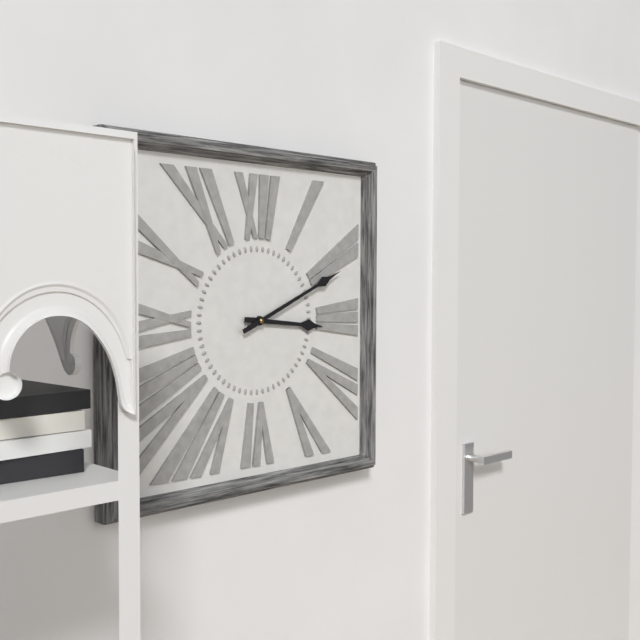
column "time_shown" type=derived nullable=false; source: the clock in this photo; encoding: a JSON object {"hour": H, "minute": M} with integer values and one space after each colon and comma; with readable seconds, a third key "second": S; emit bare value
{"hour": 3, "minute": 11}
